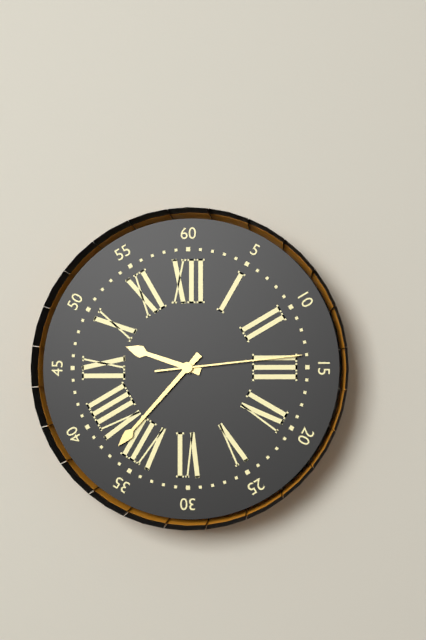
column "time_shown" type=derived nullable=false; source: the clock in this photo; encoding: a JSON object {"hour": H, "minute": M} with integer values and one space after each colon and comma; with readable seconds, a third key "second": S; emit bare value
{"hour": 9, "minute": 37, "second": 14}
